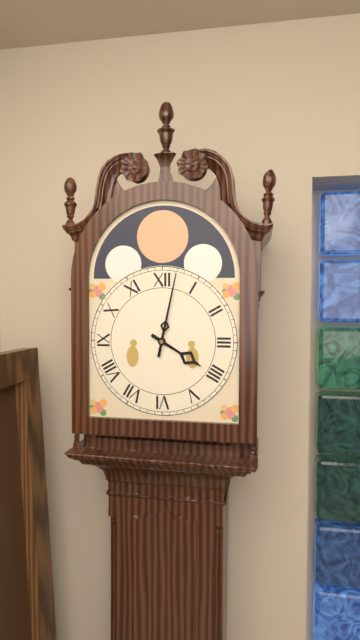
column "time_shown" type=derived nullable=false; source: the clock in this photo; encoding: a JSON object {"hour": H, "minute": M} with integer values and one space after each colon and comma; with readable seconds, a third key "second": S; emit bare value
{"hour": 4, "minute": 2}
